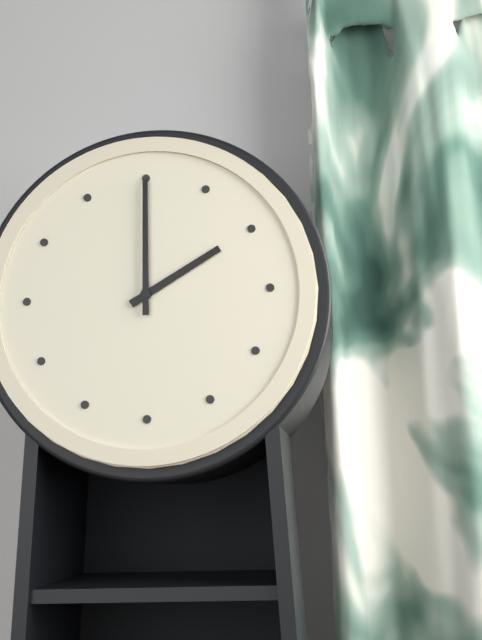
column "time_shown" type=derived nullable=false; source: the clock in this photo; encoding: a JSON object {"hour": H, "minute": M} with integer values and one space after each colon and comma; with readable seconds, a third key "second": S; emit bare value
{"hour": 2, "minute": 0}
